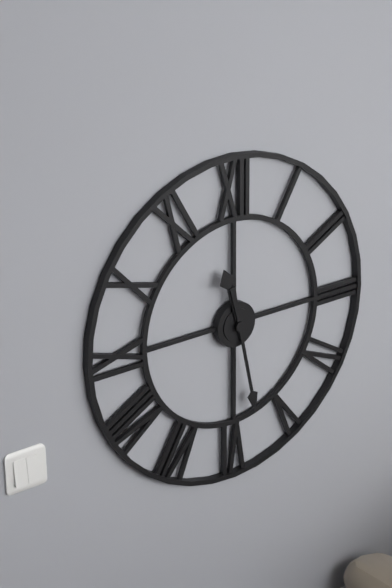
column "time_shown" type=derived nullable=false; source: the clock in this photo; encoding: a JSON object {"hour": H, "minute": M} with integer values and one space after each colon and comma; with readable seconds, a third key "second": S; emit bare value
{"hour": 11, "minute": 28}
